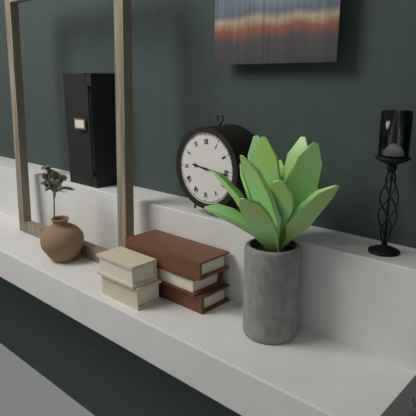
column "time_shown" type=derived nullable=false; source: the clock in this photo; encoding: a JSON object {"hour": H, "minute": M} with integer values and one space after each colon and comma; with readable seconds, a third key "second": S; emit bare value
{"hour": 9, "minute": 16}
